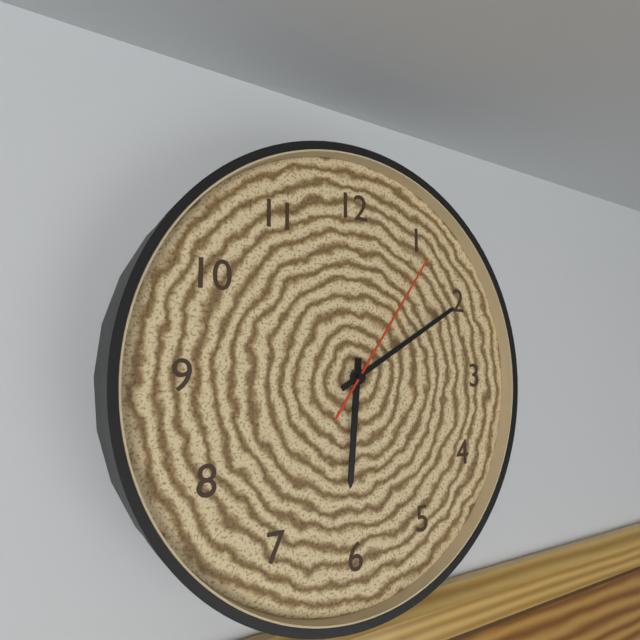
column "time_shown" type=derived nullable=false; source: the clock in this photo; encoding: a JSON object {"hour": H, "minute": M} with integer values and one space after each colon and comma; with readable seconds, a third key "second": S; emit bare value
{"hour": 6, "minute": 10, "second": 6}
